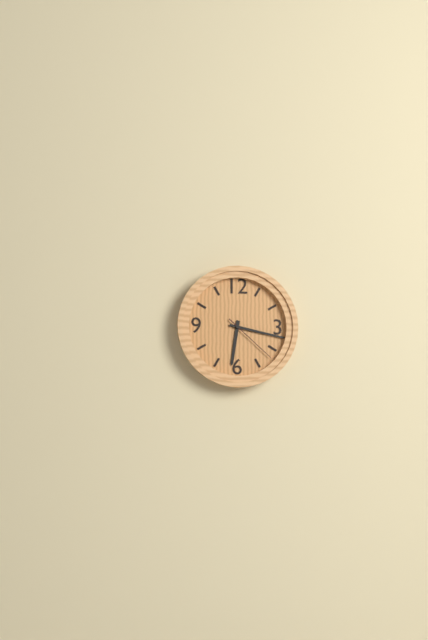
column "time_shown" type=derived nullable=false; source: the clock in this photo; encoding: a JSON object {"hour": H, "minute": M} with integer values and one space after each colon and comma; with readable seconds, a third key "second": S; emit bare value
{"hour": 6, "minute": 17, "second": 22}
